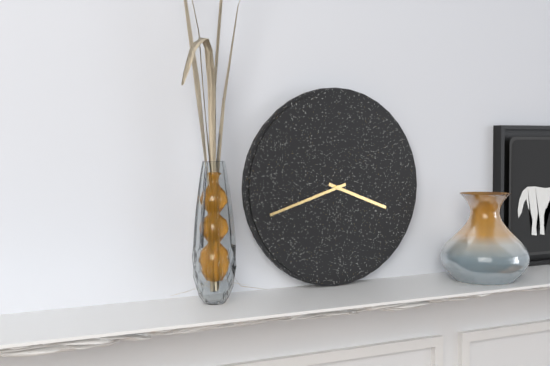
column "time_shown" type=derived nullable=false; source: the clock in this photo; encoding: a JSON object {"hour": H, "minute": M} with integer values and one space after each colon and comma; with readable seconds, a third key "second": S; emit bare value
{"hour": 3, "minute": 42}
